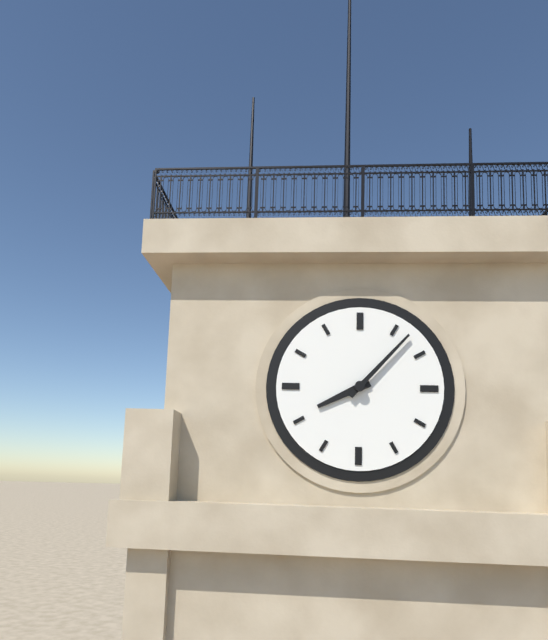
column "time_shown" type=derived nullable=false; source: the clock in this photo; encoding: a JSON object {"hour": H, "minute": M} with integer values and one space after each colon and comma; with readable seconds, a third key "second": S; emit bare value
{"hour": 8, "minute": 7}
